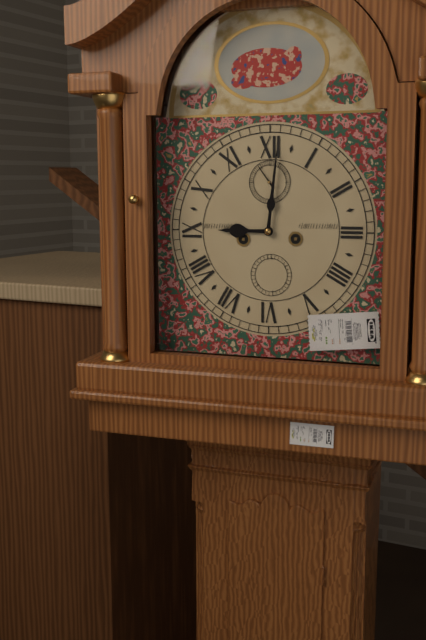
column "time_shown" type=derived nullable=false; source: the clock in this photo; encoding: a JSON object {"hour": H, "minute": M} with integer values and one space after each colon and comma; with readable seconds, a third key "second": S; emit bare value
{"hour": 9, "minute": 1}
